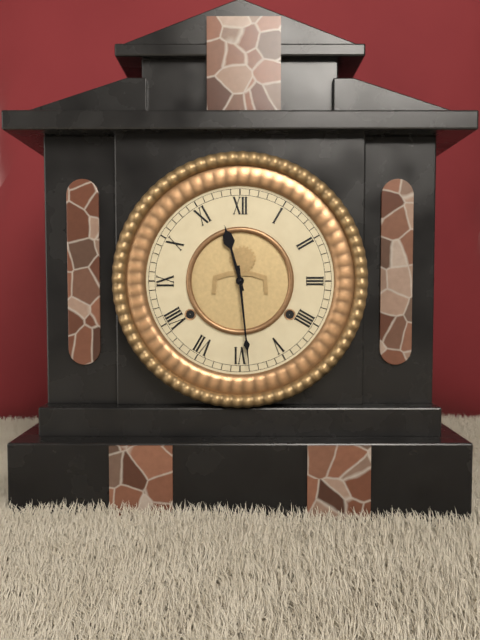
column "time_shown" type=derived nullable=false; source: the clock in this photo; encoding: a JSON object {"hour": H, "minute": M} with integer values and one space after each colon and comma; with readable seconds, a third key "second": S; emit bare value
{"hour": 11, "minute": 29}
